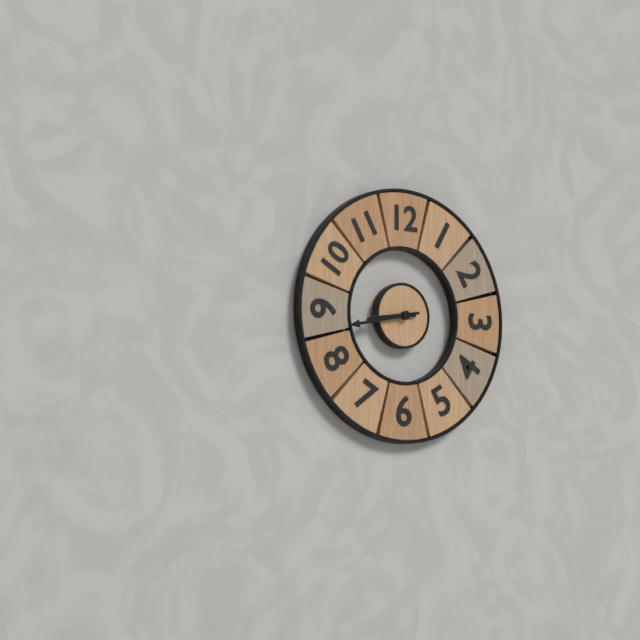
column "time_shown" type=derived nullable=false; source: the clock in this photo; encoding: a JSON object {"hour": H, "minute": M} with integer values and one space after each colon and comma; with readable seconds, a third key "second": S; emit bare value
{"hour": 8, "minute": 43}
